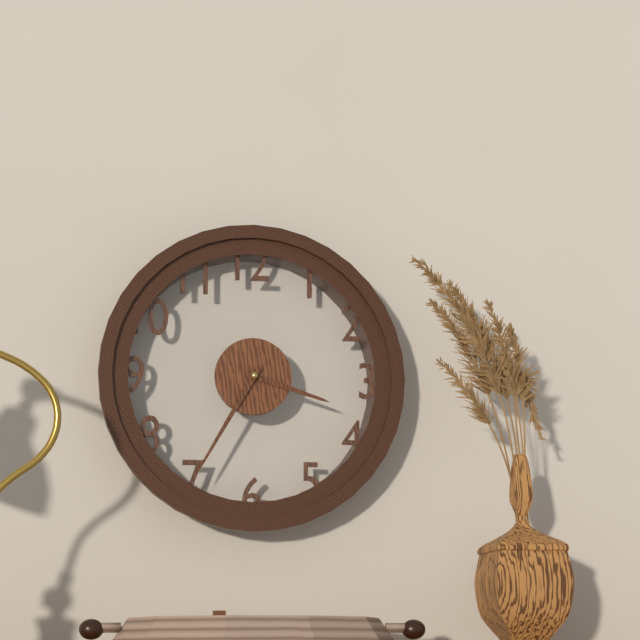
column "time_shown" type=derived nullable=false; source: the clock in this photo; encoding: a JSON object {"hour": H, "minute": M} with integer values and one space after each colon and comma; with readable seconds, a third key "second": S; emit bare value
{"hour": 3, "minute": 35}
